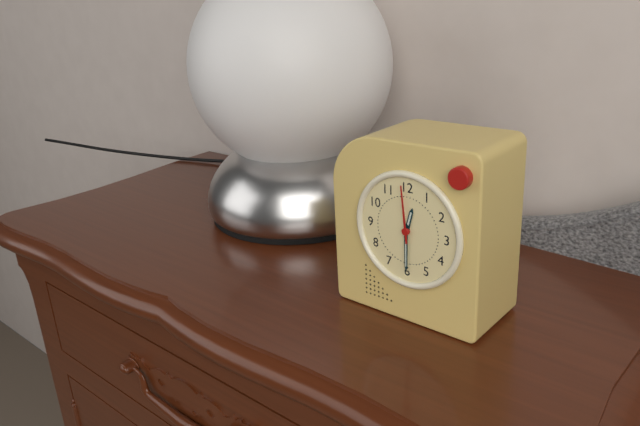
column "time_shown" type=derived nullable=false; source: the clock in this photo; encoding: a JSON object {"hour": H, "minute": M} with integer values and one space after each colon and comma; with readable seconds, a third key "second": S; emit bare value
{"hour": 12, "minute": 30, "second": 59}
